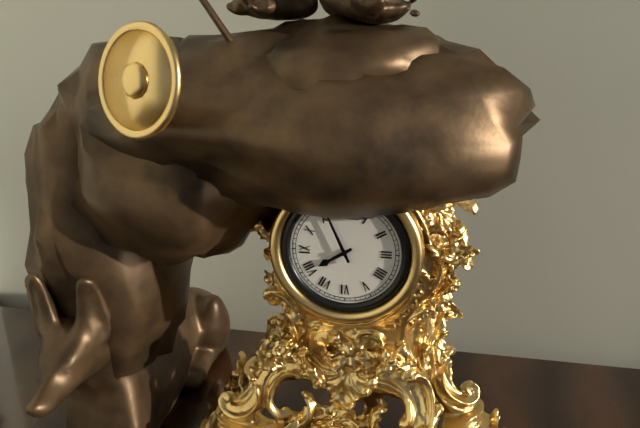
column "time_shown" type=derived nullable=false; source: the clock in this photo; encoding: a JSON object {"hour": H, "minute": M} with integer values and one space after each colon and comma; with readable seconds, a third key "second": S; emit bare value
{"hour": 7, "minute": 56}
